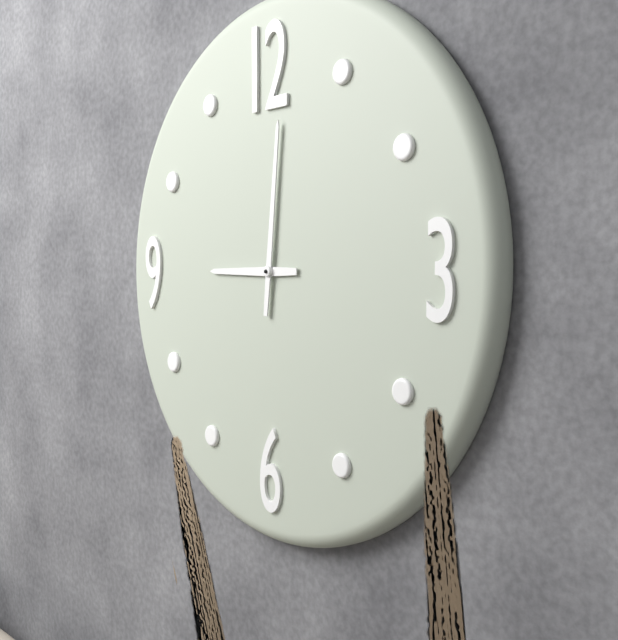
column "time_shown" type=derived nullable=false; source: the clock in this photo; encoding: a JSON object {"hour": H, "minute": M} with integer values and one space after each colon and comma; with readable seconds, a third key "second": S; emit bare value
{"hour": 9, "minute": 1}
